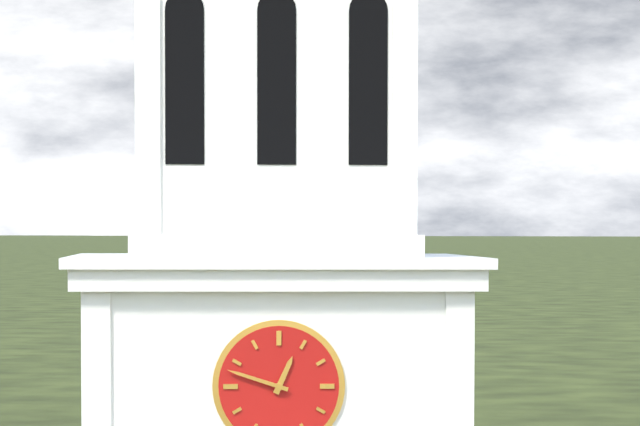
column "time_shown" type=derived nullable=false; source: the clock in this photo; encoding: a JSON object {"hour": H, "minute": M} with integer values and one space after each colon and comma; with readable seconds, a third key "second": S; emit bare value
{"hour": 12, "minute": 48}
